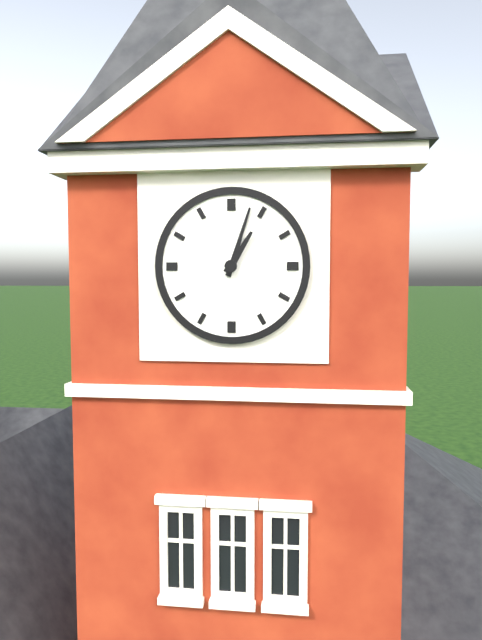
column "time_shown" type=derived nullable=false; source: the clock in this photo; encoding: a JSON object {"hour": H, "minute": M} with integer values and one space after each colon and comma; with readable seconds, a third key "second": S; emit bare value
{"hour": 1, "minute": 3}
